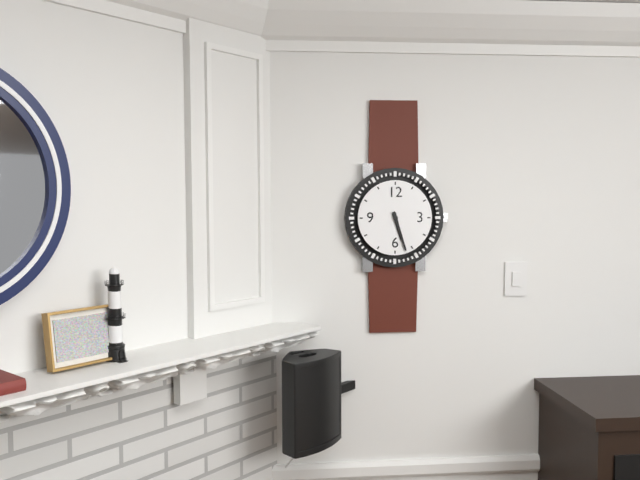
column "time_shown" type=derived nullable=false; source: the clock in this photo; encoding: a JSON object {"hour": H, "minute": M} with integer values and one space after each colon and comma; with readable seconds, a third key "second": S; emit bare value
{"hour": 5, "minute": 27}
